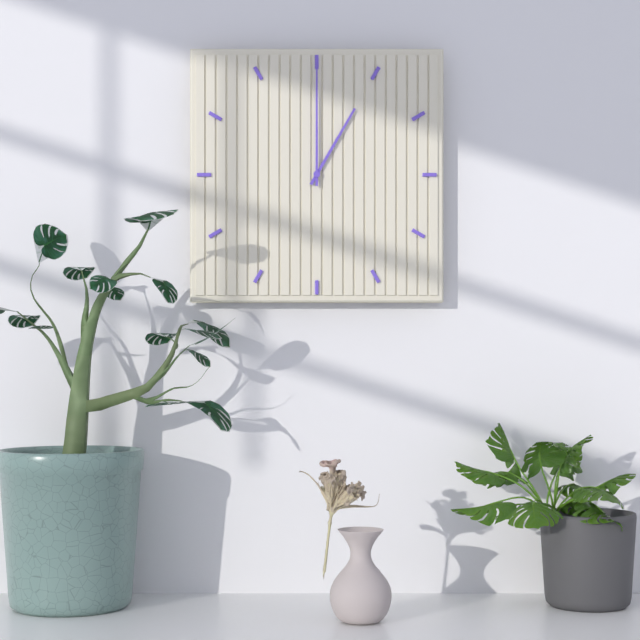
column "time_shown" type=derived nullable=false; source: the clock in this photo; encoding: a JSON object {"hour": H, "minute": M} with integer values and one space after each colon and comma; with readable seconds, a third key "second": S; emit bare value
{"hour": 1, "minute": 0}
